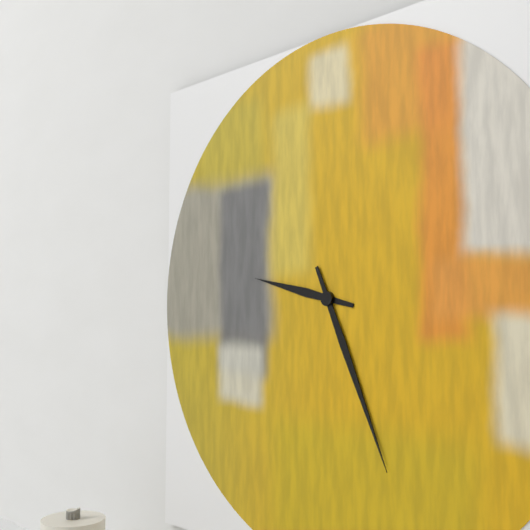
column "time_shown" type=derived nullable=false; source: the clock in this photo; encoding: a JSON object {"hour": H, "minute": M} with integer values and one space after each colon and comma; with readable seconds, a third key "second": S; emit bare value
{"hour": 9, "minute": 26}
